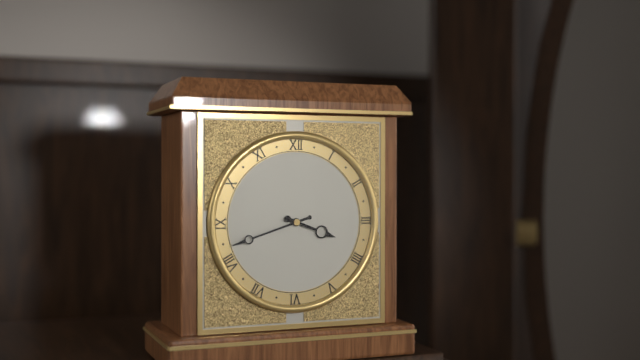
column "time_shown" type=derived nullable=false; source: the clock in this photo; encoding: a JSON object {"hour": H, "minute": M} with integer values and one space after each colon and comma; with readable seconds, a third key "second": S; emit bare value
{"hour": 3, "minute": 42}
